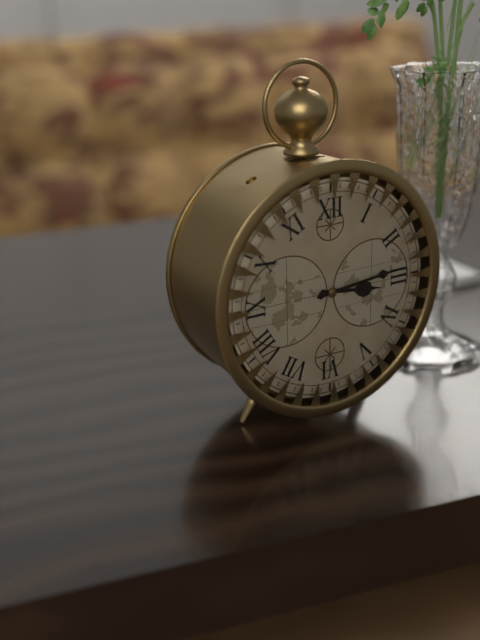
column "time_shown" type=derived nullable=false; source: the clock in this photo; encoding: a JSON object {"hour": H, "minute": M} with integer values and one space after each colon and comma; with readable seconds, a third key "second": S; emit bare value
{"hour": 3, "minute": 14}
